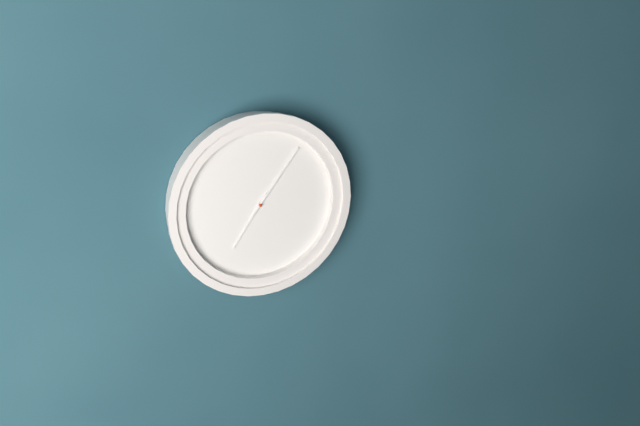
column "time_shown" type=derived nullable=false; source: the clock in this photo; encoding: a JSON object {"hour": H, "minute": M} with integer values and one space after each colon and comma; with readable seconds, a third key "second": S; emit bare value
{"hour": 7, "minute": 6}
